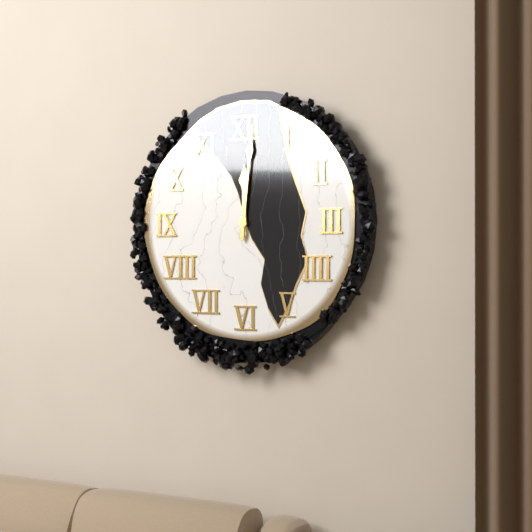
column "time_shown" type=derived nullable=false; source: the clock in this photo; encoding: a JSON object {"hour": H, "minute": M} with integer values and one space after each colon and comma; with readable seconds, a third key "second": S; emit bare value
{"hour": 12, "minute": 1}
